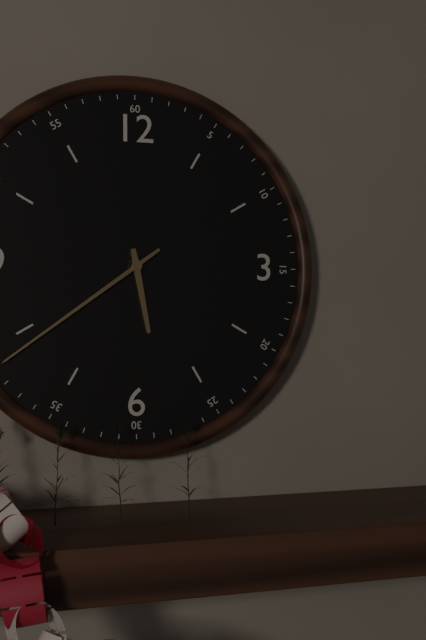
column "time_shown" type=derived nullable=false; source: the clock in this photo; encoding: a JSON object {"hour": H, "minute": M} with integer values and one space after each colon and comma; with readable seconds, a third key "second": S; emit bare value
{"hour": 5, "minute": 39}
